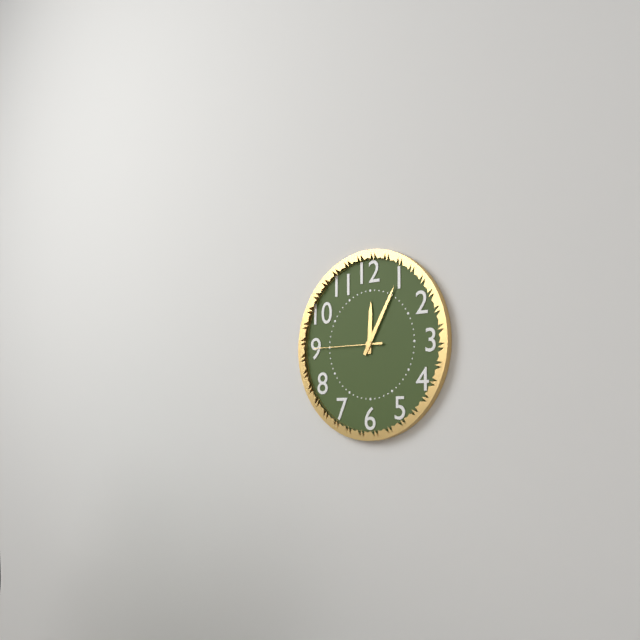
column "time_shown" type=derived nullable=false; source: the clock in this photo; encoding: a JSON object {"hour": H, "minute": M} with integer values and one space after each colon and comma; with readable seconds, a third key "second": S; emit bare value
{"hour": 12, "minute": 5, "second": 45}
